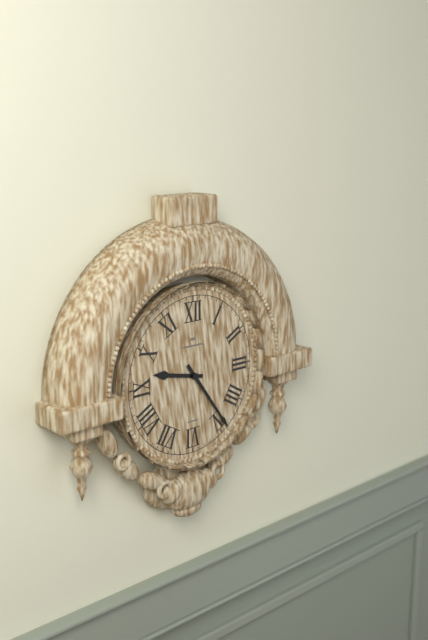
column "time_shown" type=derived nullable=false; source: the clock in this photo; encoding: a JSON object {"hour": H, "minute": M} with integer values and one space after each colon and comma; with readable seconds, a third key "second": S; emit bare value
{"hour": 9, "minute": 24}
